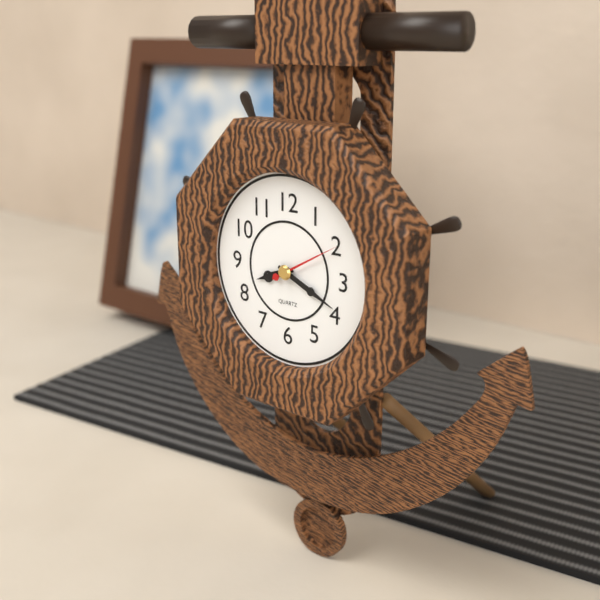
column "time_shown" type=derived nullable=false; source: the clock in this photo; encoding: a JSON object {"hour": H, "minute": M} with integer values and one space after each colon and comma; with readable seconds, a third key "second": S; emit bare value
{"hour": 8, "minute": 19, "second": 10}
